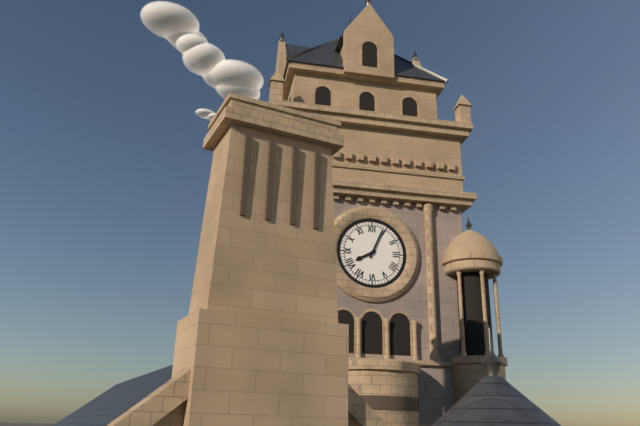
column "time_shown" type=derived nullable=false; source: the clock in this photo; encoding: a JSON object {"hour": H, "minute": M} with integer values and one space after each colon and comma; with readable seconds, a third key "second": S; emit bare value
{"hour": 8, "minute": 4}
